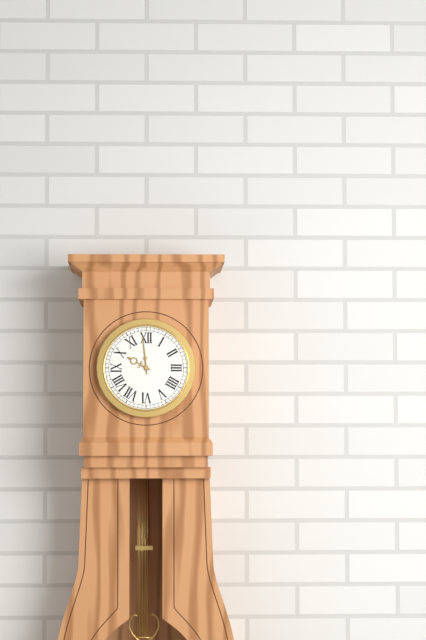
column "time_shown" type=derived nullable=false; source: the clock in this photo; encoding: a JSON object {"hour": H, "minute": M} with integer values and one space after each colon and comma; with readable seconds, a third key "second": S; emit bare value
{"hour": 9, "minute": 59}
